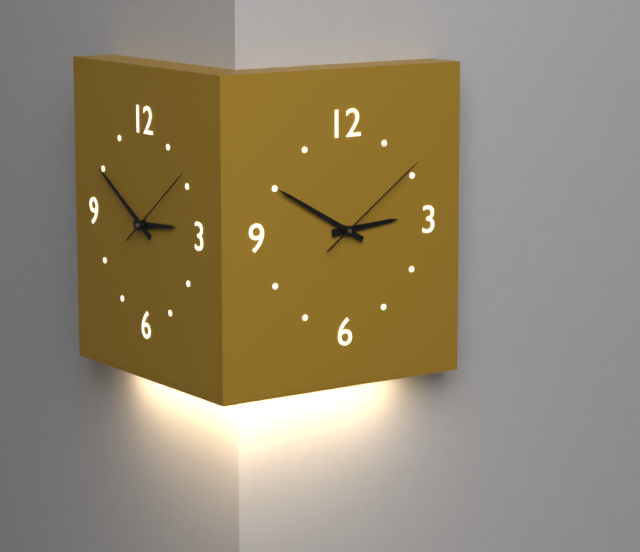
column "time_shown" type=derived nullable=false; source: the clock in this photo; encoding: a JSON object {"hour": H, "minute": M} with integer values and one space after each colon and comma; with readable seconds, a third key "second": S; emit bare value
{"hour": 2, "minute": 50, "second": 9}
